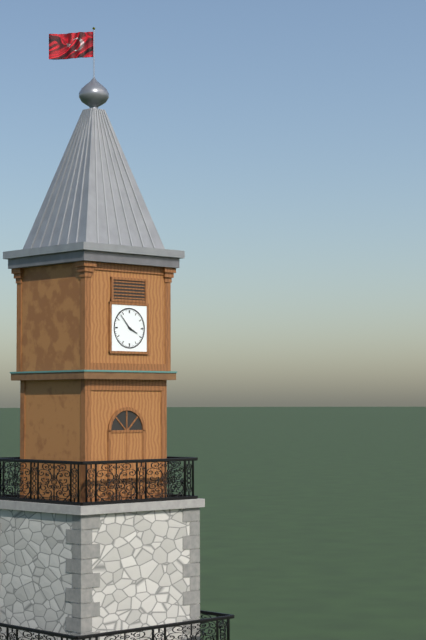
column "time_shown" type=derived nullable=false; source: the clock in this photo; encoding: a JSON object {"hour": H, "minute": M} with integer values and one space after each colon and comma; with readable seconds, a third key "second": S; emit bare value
{"hour": 3, "minute": 53}
